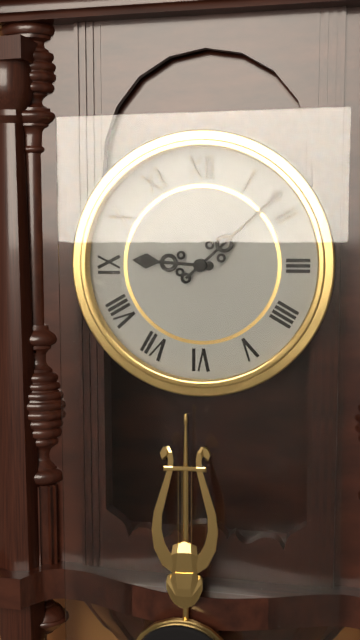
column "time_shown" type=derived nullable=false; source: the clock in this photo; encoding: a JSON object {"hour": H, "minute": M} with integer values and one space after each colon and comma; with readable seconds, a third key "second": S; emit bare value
{"hour": 9, "minute": 8}
